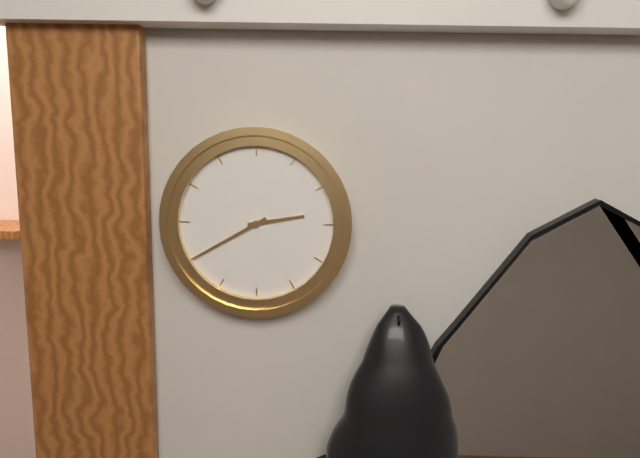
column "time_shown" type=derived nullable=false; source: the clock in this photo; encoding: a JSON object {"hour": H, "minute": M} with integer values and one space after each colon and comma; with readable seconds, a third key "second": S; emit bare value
{"hour": 2, "minute": 40}
